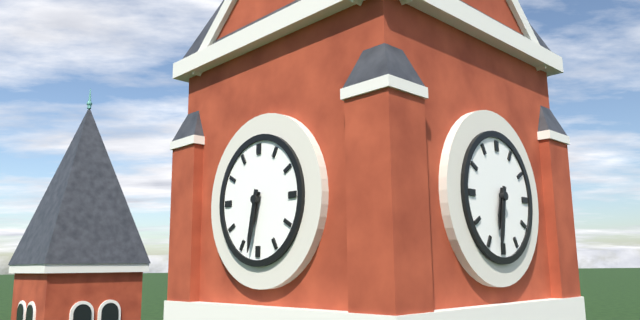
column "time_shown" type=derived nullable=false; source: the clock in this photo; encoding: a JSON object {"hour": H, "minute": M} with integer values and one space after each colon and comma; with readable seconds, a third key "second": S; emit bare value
{"hour": 6, "minute": 32}
